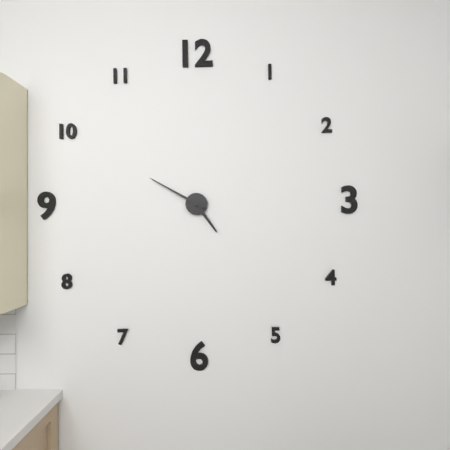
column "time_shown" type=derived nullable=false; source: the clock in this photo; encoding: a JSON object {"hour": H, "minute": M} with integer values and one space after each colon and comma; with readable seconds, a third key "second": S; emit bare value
{"hour": 4, "minute": 50}
